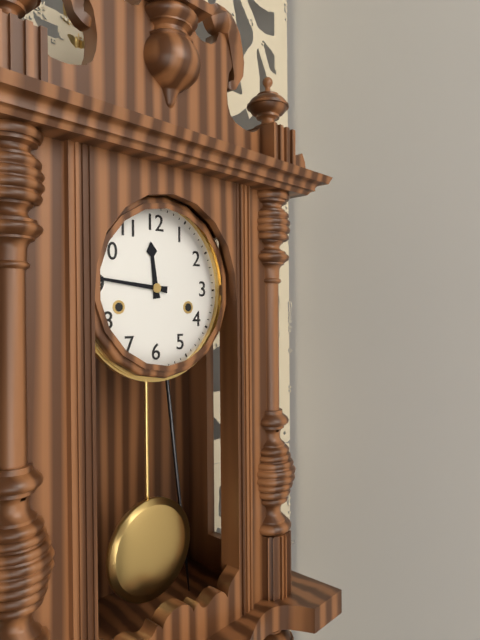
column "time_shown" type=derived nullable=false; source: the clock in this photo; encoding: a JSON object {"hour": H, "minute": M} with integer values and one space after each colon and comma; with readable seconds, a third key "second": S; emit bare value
{"hour": 11, "minute": 46}
